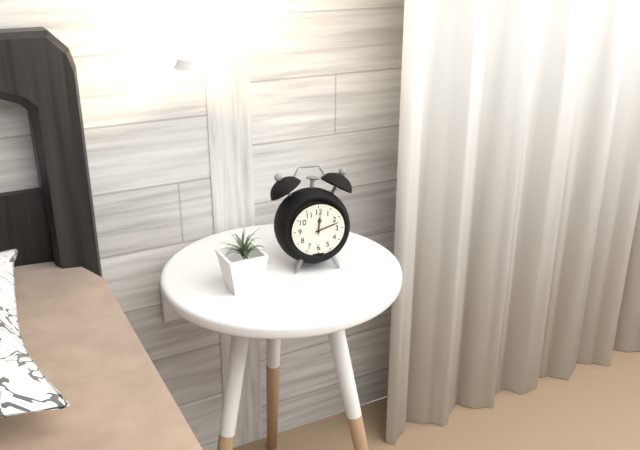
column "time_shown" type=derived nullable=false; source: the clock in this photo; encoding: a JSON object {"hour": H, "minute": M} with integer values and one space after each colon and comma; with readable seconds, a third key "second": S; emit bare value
{"hour": 12, "minute": 12}
